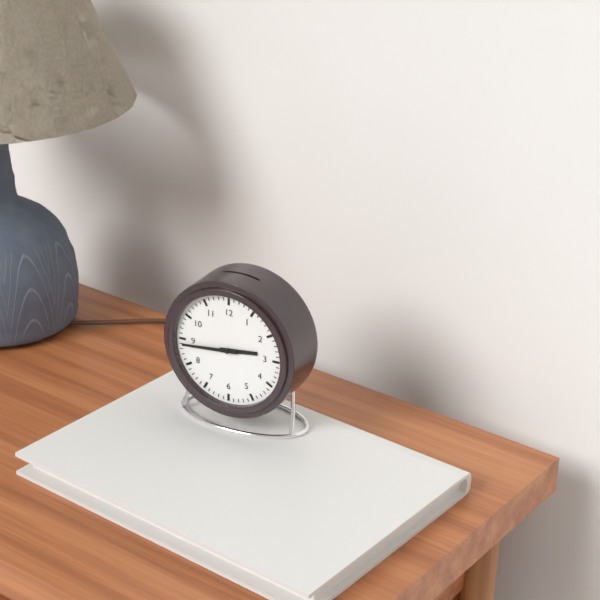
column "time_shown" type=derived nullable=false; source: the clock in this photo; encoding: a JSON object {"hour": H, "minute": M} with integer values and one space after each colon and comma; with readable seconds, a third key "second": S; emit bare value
{"hour": 2, "minute": 44}
